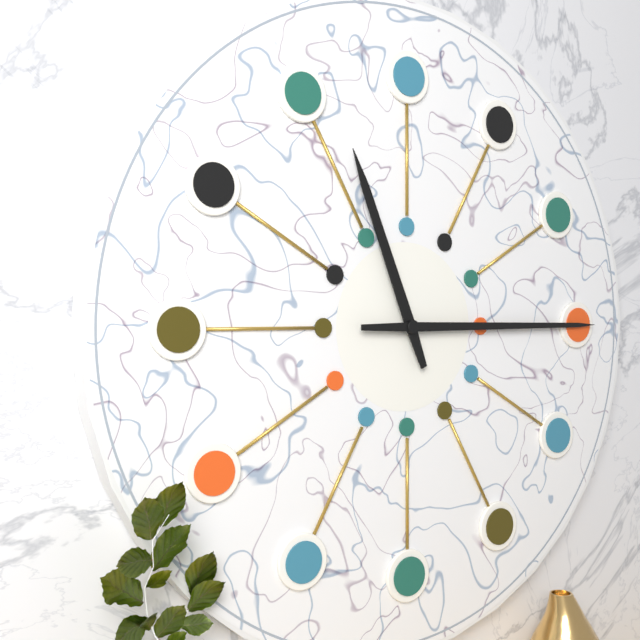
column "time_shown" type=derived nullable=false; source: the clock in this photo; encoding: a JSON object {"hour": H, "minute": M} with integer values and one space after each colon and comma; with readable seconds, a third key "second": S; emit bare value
{"hour": 11, "minute": 15}
